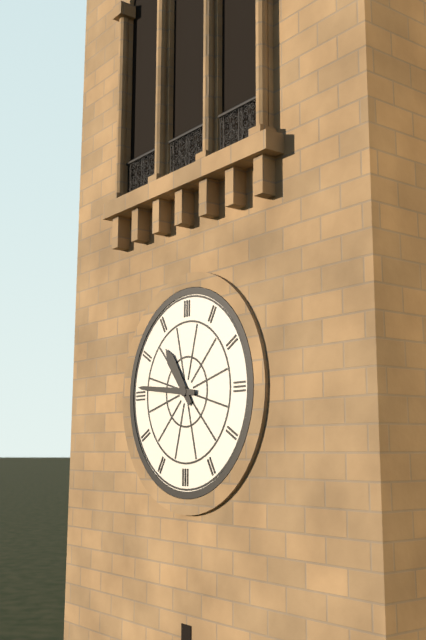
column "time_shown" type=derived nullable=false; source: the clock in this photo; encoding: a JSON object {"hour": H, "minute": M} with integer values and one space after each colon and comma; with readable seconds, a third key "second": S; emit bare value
{"hour": 10, "minute": 46}
